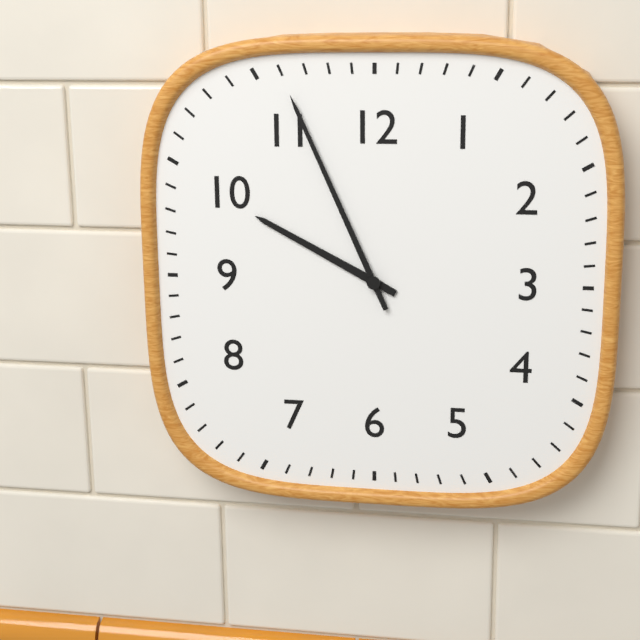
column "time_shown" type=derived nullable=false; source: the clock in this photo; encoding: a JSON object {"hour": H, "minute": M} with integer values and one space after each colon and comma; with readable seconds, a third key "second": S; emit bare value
{"hour": 9, "minute": 56}
